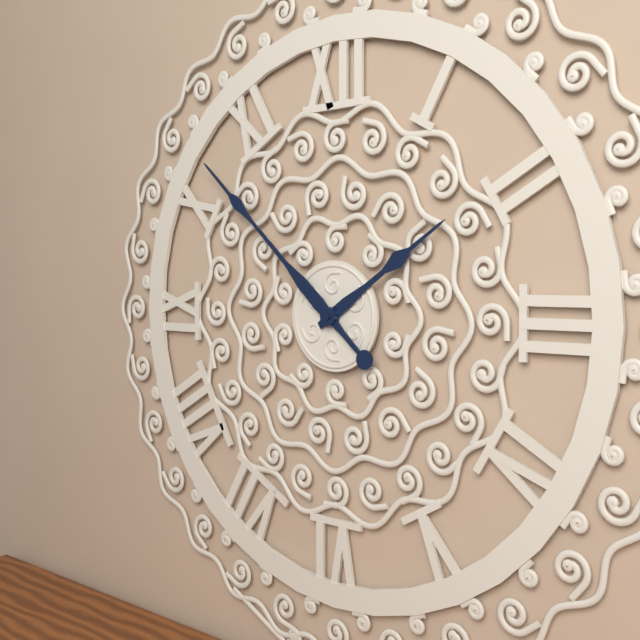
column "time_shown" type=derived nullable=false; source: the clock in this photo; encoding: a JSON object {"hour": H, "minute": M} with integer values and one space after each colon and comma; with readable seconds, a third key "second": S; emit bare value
{"hour": 1, "minute": 52}
